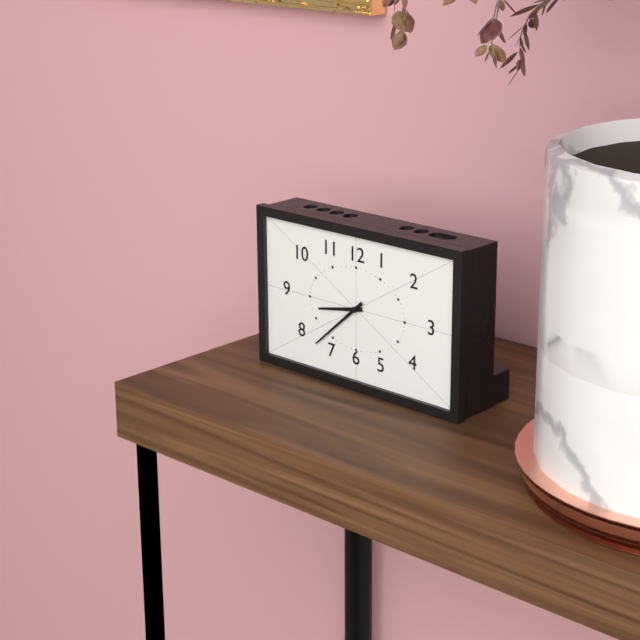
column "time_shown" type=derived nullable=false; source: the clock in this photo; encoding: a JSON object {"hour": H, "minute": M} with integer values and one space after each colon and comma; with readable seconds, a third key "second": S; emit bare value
{"hour": 8, "minute": 38}
